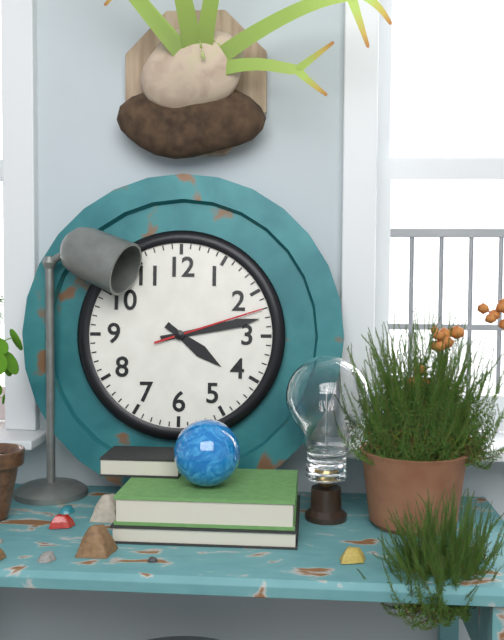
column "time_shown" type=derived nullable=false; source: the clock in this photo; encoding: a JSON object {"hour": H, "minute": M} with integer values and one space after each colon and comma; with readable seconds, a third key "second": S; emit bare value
{"hour": 4, "minute": 13, "second": 12}
